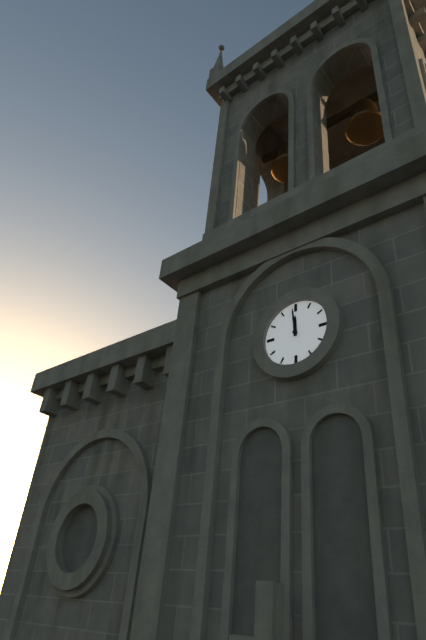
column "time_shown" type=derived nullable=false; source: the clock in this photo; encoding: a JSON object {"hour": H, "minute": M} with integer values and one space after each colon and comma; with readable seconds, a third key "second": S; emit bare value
{"hour": 11, "minute": 59}
